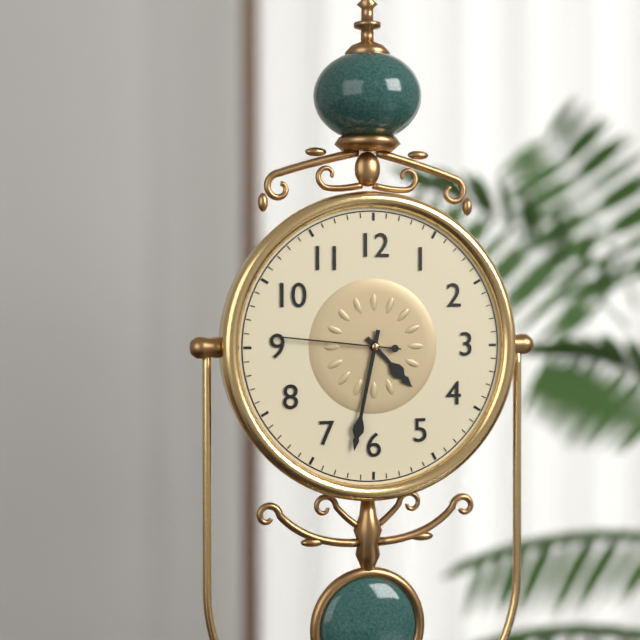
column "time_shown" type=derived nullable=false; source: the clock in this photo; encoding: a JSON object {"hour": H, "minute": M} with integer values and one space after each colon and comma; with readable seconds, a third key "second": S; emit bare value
{"hour": 4, "minute": 32, "second": 46}
